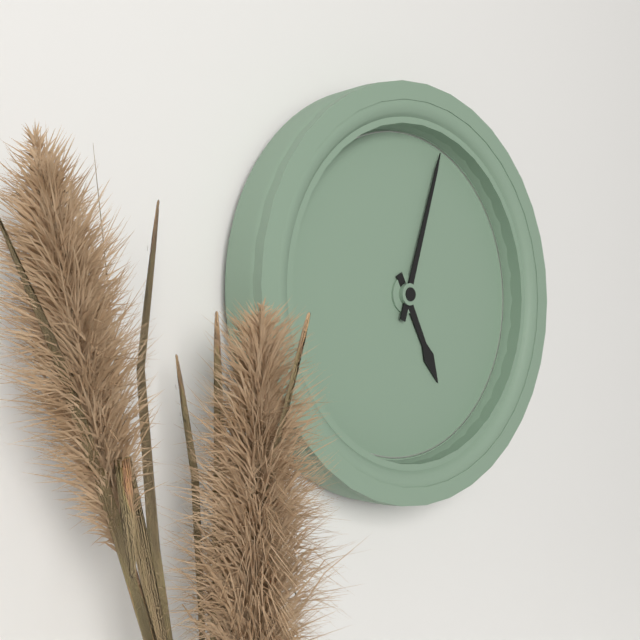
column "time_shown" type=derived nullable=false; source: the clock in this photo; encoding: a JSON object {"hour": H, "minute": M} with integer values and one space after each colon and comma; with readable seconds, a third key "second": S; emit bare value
{"hour": 5, "minute": 3}
